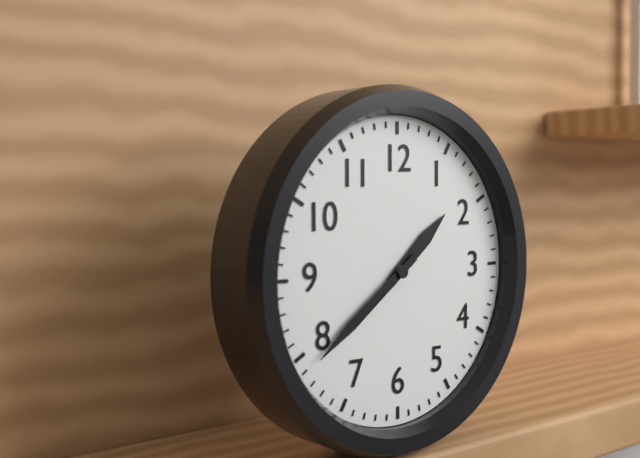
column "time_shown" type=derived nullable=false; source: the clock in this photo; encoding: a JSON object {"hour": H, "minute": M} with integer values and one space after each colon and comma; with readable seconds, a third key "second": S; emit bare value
{"hour": 1, "minute": 39}
